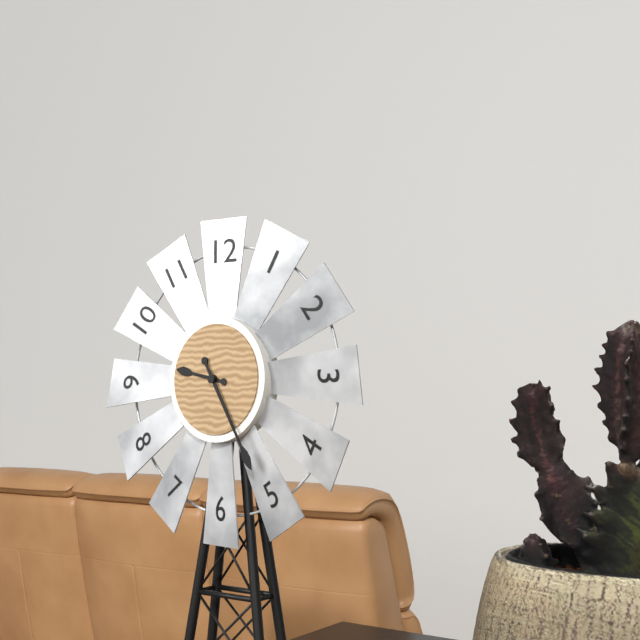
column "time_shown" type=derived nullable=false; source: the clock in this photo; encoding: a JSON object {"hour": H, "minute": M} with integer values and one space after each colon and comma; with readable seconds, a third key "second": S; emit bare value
{"hour": 9, "minute": 25}
